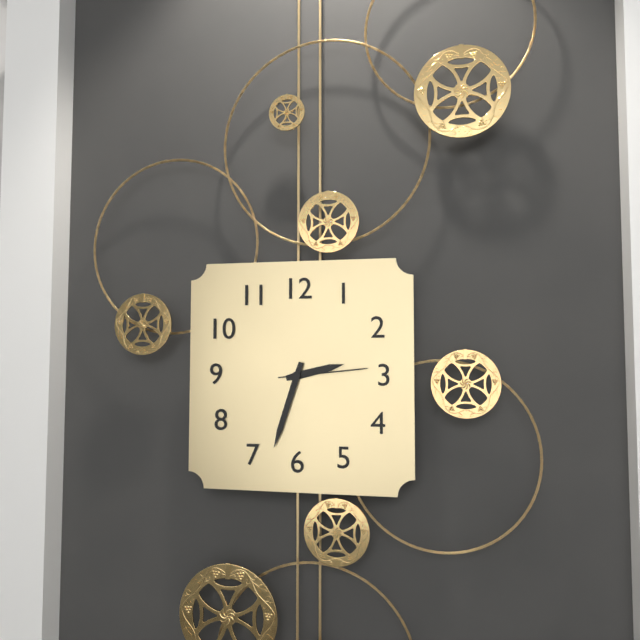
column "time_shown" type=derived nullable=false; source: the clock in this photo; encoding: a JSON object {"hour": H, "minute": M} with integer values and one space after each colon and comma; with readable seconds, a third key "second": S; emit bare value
{"hour": 2, "minute": 33, "second": 14}
